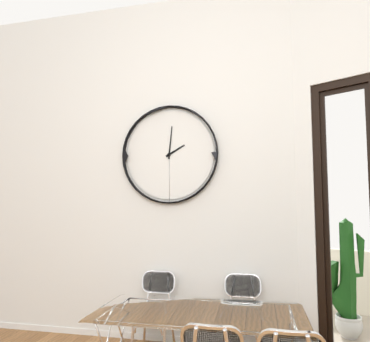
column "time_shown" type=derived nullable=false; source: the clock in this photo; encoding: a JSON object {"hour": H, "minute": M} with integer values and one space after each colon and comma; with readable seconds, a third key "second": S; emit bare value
{"hour": 2, "minute": 1}
